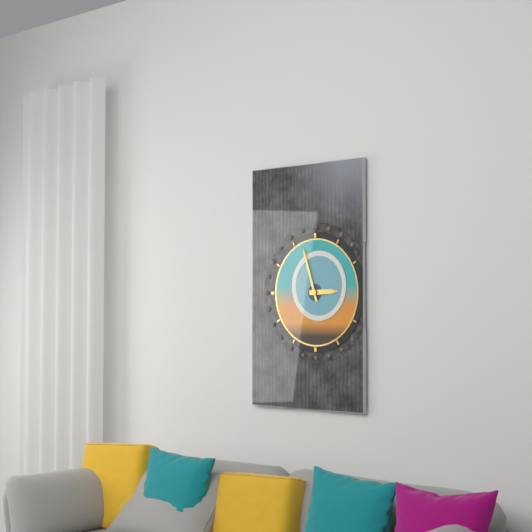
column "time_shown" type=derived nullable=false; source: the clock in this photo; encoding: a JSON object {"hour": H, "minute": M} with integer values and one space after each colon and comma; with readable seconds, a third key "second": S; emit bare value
{"hour": 2, "minute": 57}
